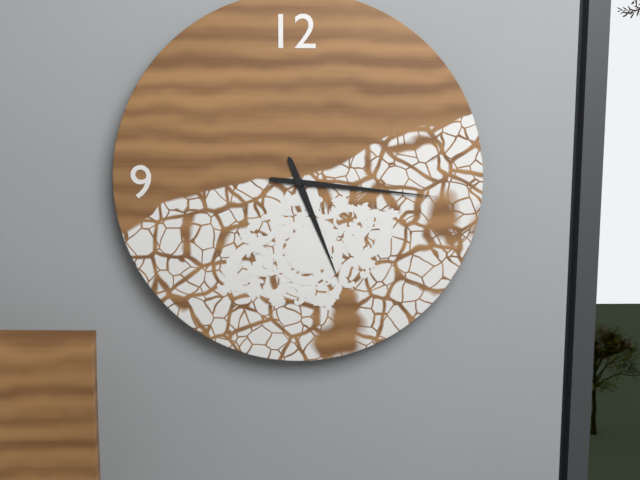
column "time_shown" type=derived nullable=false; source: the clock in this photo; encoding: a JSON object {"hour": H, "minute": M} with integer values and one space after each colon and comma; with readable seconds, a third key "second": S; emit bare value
{"hour": 5, "minute": 16}
